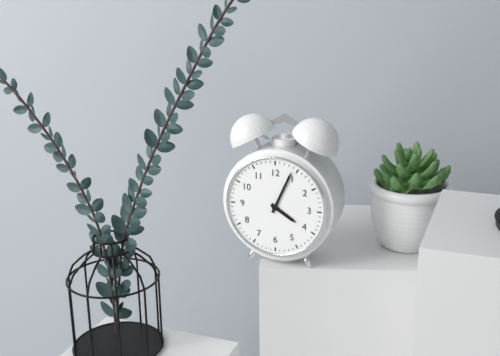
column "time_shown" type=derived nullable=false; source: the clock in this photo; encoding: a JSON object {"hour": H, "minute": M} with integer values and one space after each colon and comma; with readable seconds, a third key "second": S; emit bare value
{"hour": 4, "minute": 4}
